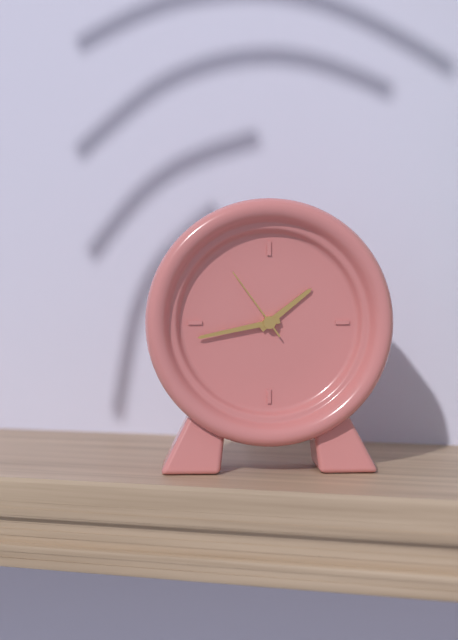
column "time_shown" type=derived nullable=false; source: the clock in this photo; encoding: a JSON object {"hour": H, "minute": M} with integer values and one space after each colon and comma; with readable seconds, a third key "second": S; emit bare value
{"hour": 1, "minute": 43, "second": 54}
